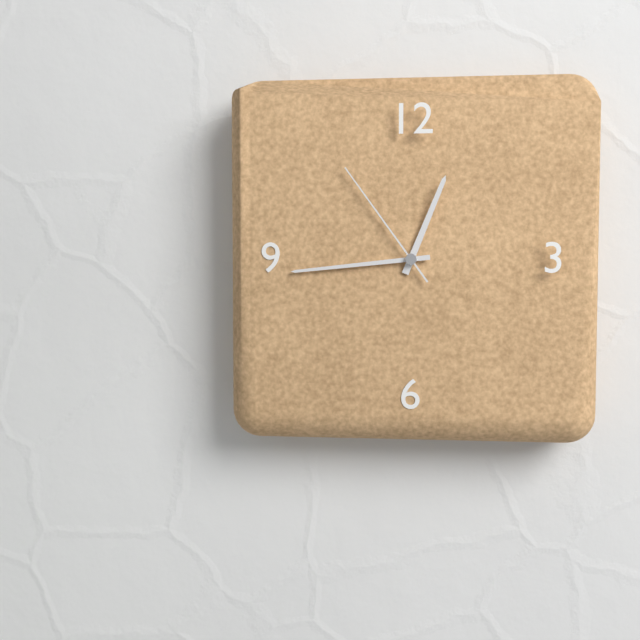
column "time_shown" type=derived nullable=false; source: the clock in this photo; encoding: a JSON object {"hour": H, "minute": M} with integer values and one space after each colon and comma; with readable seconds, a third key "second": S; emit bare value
{"hour": 12, "minute": 44, "second": 54}
